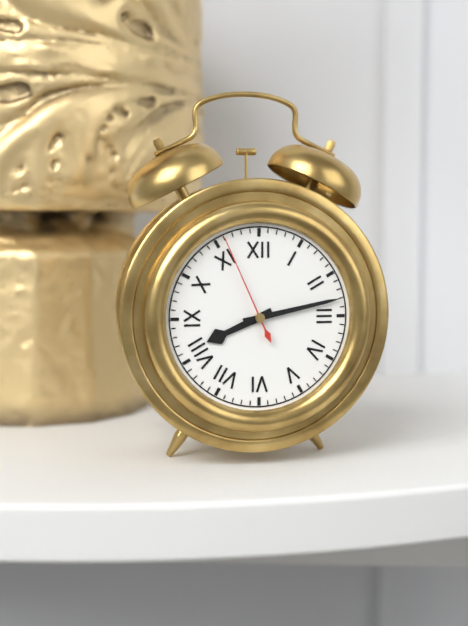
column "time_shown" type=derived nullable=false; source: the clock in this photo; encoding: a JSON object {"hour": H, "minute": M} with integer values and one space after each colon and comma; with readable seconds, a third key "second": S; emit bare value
{"hour": 8, "minute": 13, "second": 56}
